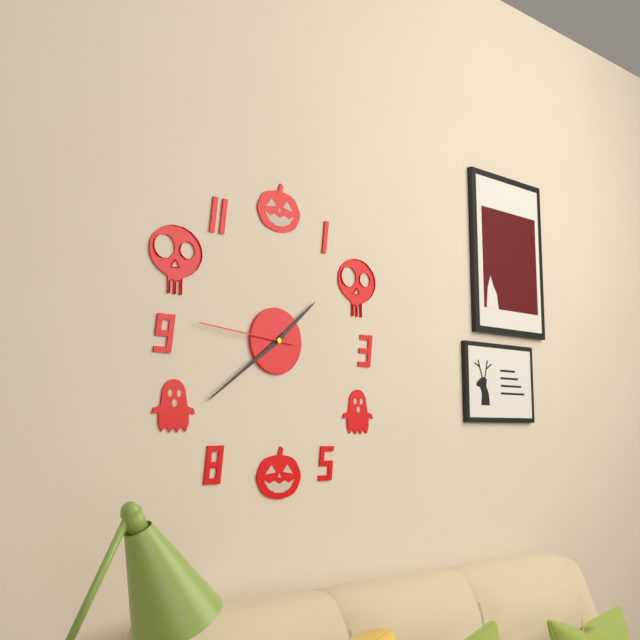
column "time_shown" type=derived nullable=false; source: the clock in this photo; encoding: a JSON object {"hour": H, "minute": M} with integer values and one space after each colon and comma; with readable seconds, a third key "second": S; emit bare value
{"hour": 1, "minute": 39, "second": 46}
